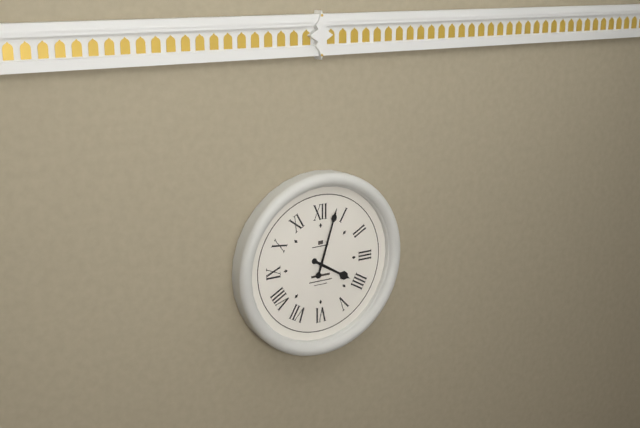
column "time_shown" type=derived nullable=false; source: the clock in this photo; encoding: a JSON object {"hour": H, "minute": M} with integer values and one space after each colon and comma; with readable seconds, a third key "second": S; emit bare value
{"hour": 4, "minute": 3}
